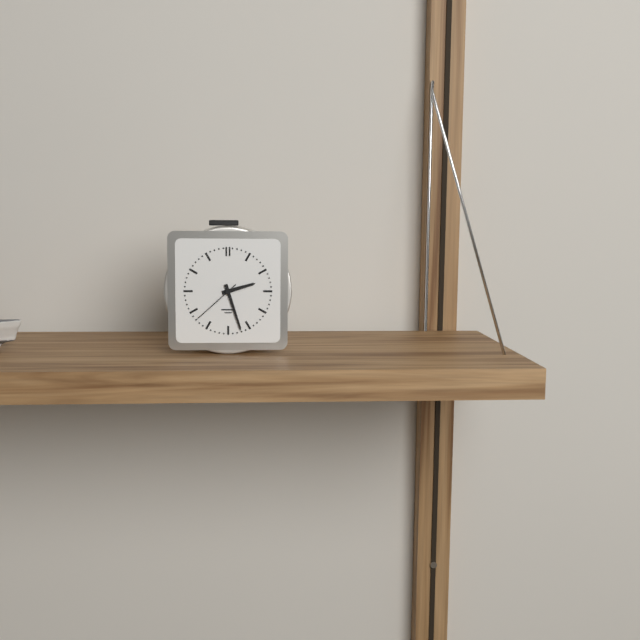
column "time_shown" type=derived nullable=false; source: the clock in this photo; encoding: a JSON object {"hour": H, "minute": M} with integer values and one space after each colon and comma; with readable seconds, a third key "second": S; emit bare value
{"hour": 2, "minute": 27, "second": 38}
